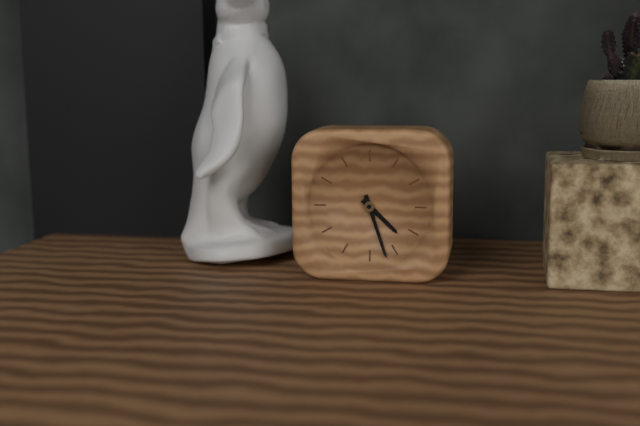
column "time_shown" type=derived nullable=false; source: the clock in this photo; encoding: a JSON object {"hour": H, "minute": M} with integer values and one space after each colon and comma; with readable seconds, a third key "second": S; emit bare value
{"hour": 4, "minute": 27}
